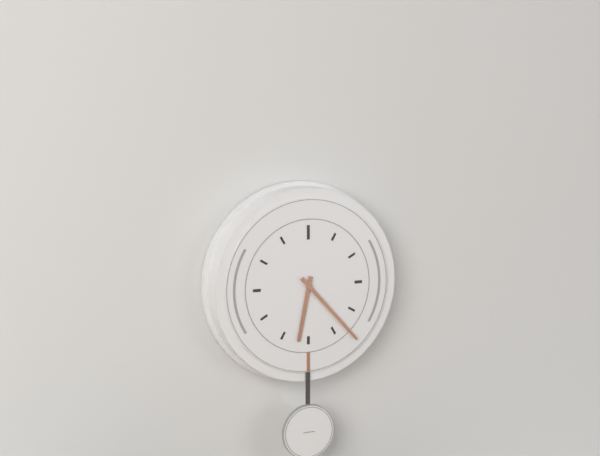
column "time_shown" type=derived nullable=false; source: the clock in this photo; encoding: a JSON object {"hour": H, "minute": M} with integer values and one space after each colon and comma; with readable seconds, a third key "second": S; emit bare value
{"hour": 6, "minute": 23}
